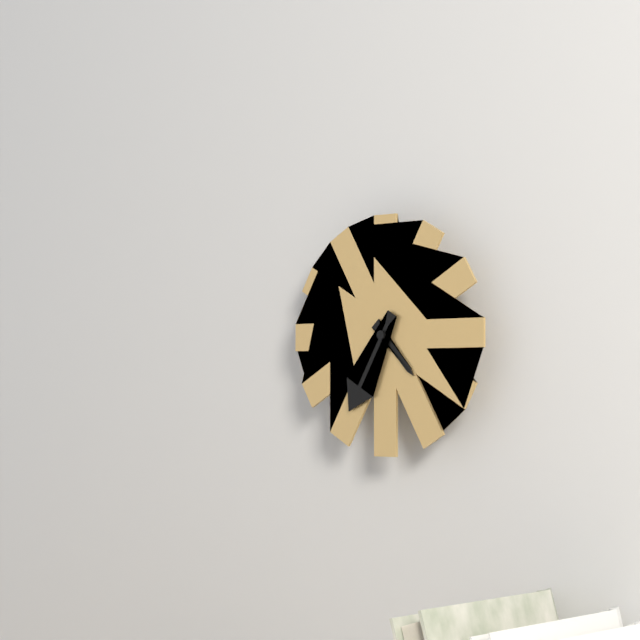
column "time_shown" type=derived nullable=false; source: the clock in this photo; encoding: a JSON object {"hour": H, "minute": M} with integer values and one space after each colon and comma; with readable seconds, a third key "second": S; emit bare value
{"hour": 4, "minute": 35}
